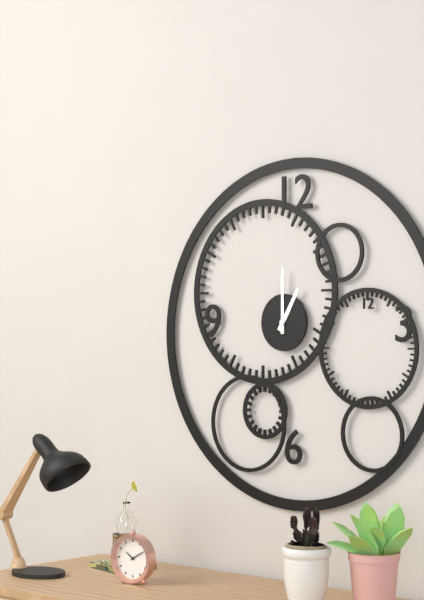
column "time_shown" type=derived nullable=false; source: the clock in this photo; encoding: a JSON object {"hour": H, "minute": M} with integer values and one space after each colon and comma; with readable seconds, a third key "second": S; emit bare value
{"hour": 1, "minute": 0}
